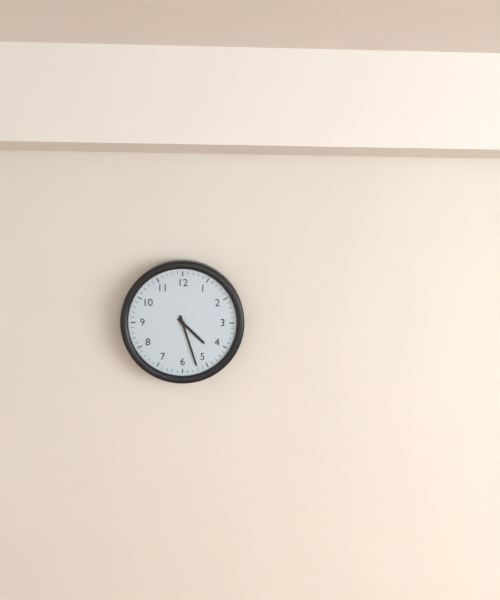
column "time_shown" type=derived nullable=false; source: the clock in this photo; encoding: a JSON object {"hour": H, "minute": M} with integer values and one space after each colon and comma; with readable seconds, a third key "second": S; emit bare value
{"hour": 4, "minute": 27}
